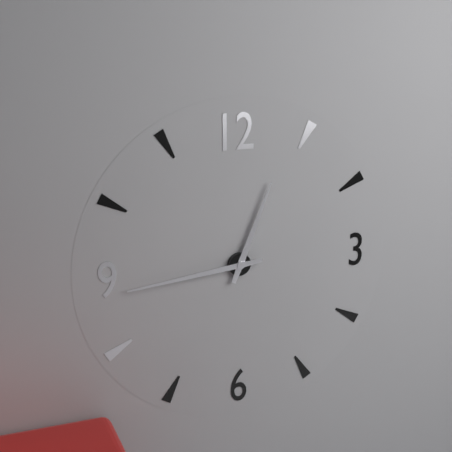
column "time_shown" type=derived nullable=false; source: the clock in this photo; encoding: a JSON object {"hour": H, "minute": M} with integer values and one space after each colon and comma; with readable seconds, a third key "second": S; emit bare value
{"hour": 12, "minute": 44}
